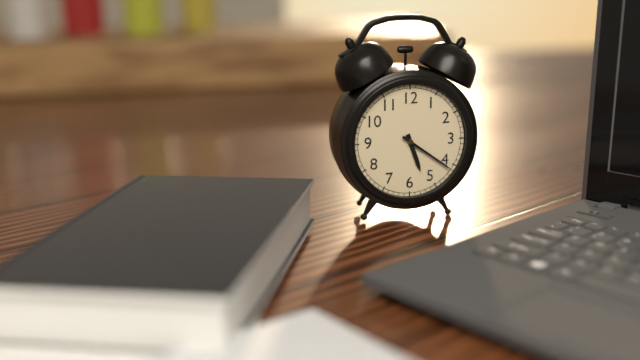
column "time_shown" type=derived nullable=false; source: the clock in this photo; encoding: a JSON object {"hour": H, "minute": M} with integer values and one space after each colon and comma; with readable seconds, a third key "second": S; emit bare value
{"hour": 5, "minute": 21}
